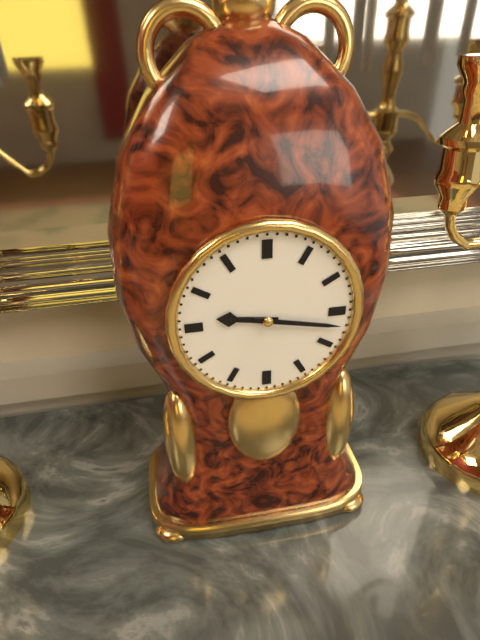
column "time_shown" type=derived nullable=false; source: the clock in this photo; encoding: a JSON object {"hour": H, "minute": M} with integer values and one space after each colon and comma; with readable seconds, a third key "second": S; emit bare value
{"hour": 9, "minute": 17}
